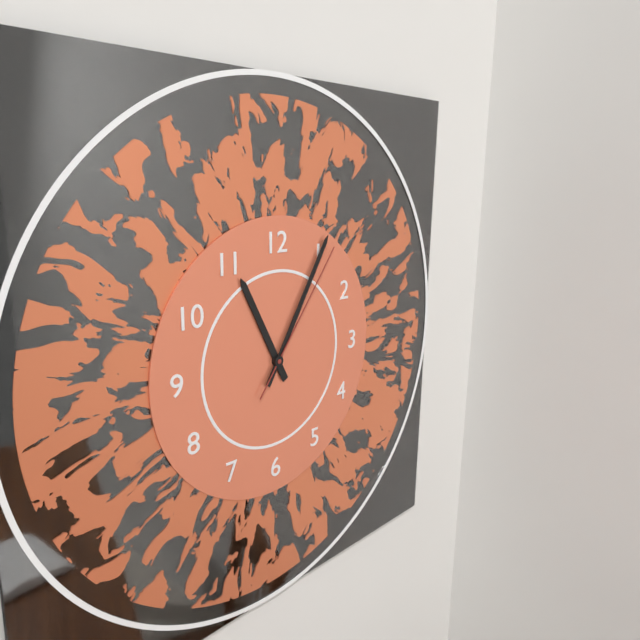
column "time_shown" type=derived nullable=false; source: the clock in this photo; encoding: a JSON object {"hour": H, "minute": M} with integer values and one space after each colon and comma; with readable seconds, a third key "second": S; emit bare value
{"hour": 11, "minute": 5, "second": 6}
